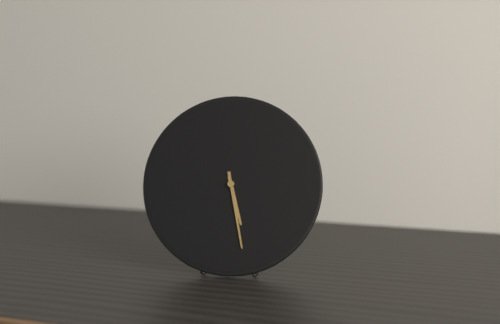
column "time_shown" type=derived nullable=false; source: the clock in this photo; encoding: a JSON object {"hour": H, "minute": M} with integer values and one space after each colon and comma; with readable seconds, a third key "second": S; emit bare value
{"hour": 5, "minute": 28}
